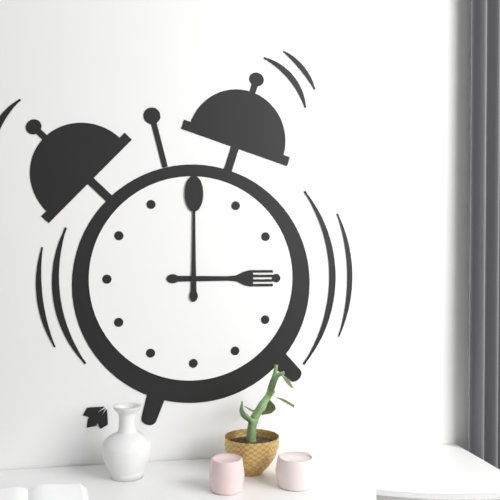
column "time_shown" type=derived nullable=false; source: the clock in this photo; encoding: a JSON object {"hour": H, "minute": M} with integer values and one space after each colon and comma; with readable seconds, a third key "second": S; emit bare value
{"hour": 3, "minute": 0}
